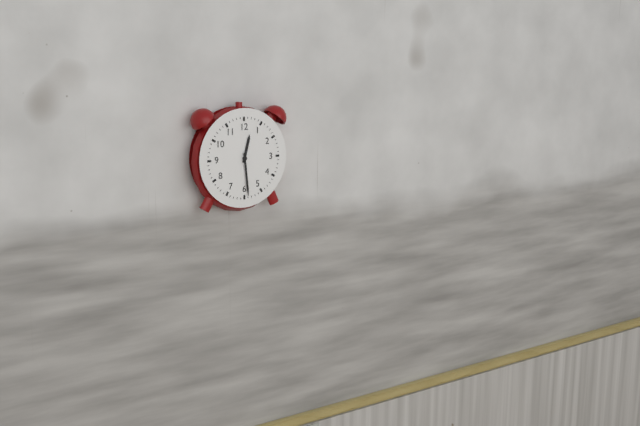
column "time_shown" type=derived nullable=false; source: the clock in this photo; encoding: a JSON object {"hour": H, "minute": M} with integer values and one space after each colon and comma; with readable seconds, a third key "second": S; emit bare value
{"hour": 12, "minute": 29}
